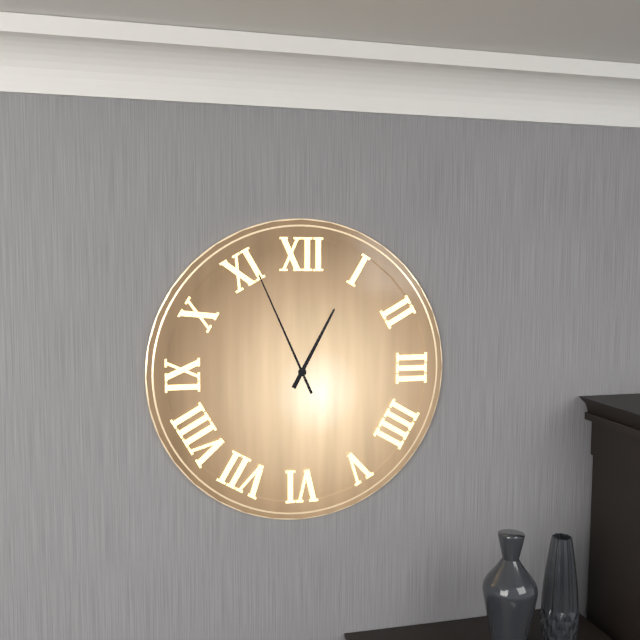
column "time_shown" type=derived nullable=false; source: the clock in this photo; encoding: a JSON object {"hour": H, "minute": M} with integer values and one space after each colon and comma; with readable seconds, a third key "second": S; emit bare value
{"hour": 12, "minute": 56}
